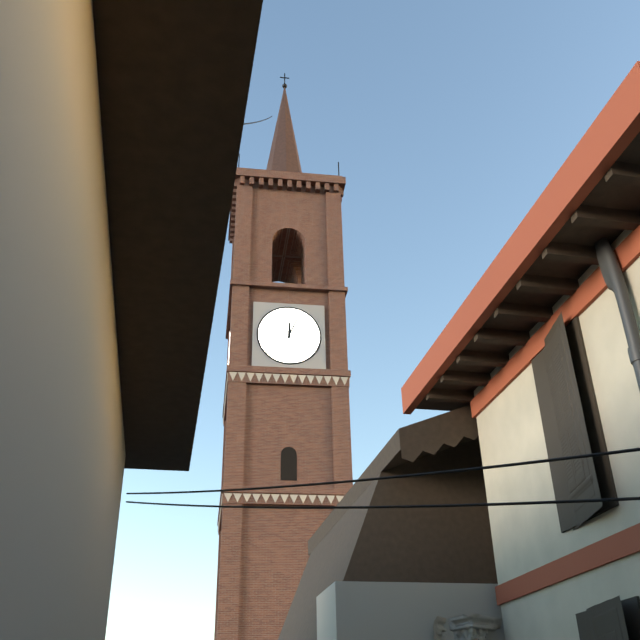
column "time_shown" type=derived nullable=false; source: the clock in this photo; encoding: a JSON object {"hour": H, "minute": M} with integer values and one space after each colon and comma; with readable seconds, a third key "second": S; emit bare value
{"hour": 12, "minute": 4}
